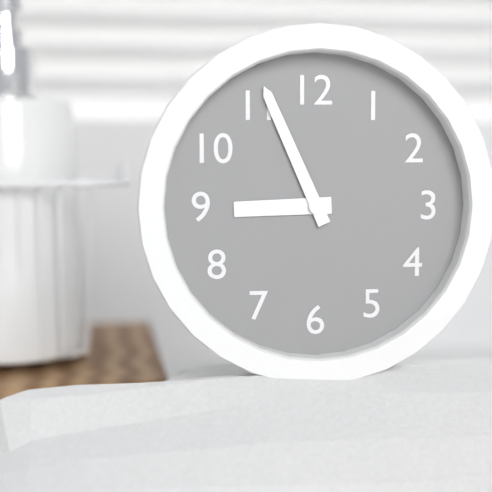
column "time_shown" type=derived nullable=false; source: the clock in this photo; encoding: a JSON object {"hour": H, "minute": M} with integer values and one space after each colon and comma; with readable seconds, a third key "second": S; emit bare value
{"hour": 8, "minute": 56}
